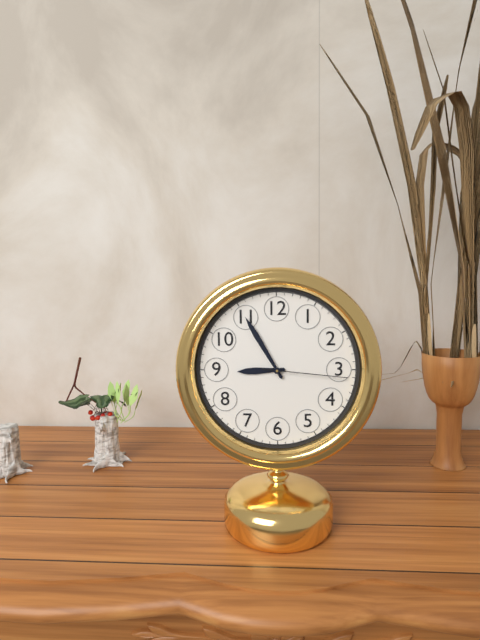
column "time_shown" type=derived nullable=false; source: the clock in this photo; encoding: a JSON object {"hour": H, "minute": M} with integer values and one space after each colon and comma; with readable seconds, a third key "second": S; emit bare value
{"hour": 8, "minute": 55, "second": 16}
